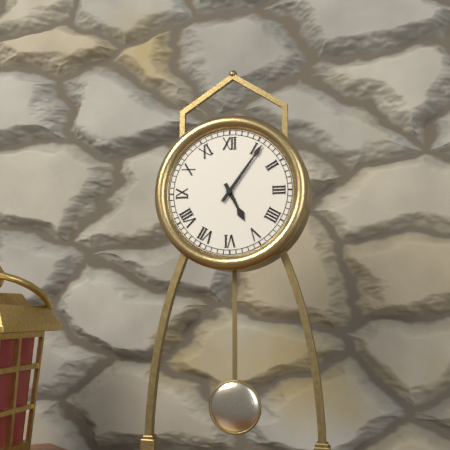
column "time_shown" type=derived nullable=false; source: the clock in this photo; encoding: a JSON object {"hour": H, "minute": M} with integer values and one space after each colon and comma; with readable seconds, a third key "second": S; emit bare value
{"hour": 5, "minute": 6}
